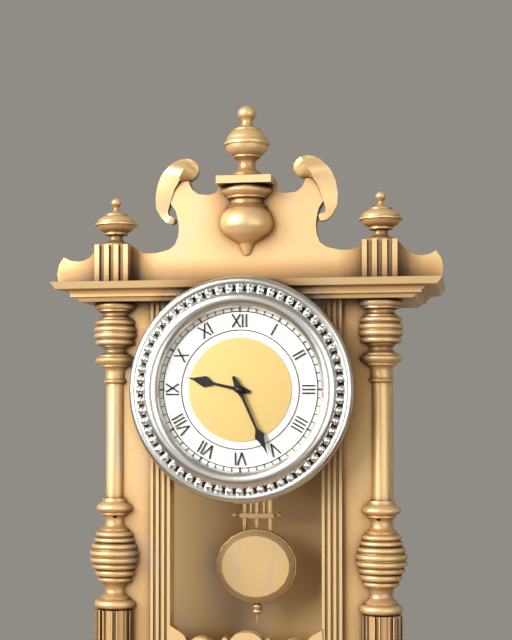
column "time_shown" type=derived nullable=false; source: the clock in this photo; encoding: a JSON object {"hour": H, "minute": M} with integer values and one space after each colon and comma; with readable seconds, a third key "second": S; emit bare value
{"hour": 9, "minute": 26}
